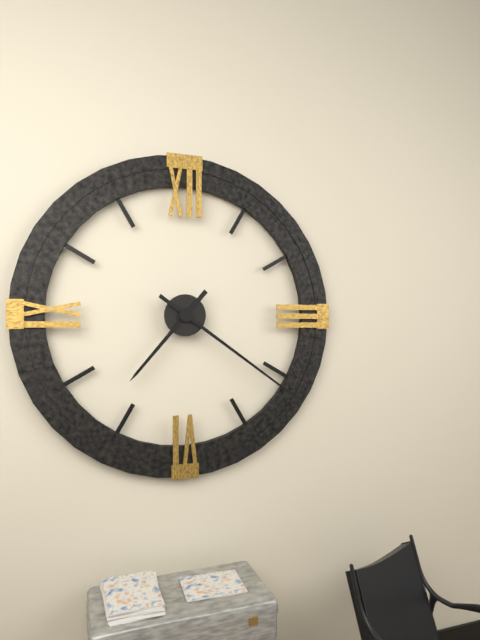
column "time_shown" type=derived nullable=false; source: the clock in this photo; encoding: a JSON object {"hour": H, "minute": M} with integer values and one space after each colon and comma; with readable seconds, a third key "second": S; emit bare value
{"hour": 7, "minute": 21}
